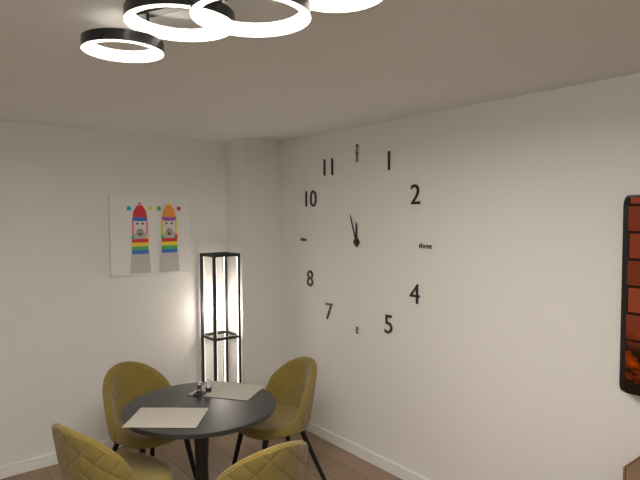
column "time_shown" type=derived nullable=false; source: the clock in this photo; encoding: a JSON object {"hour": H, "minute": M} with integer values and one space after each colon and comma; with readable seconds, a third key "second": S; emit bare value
{"hour": 11, "minute": 57}
